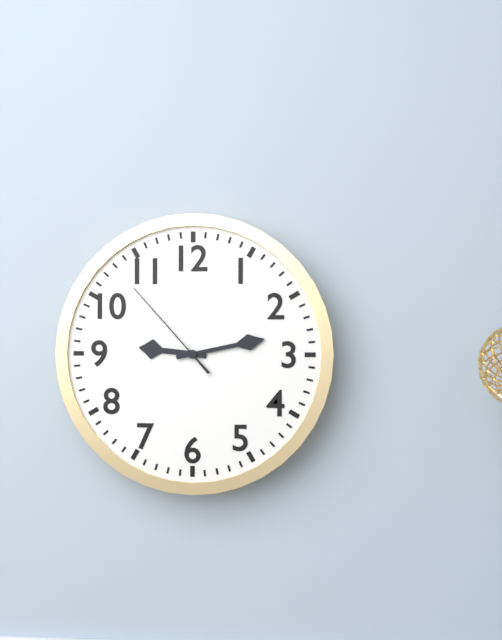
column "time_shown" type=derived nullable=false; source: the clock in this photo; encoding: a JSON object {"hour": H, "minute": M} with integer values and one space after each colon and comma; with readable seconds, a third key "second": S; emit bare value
{"hour": 9, "minute": 13, "second": 53}
